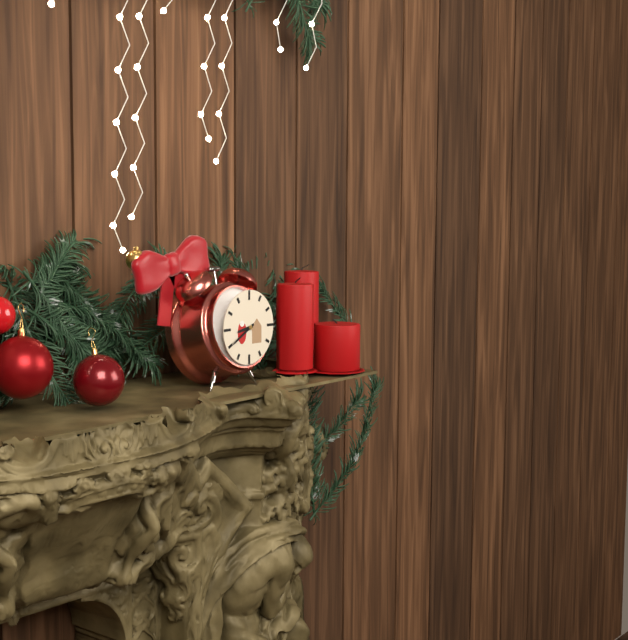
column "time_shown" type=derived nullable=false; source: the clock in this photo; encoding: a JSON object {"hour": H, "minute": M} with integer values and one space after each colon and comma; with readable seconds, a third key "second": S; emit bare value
{"hour": 8, "minute": 40}
